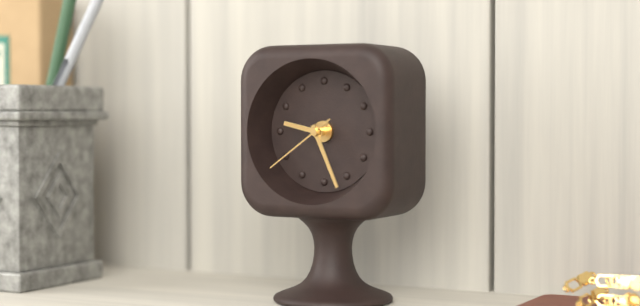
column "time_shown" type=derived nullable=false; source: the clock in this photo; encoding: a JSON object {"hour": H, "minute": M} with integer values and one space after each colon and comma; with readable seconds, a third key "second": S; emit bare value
{"hour": 9, "minute": 26, "second": 39}
